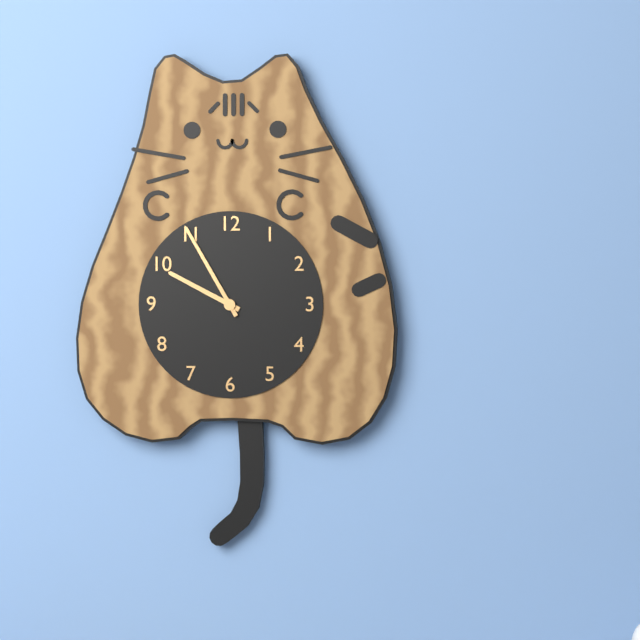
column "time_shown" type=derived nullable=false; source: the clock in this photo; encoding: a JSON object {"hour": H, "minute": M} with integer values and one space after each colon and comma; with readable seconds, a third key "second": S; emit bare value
{"hour": 9, "minute": 55}
